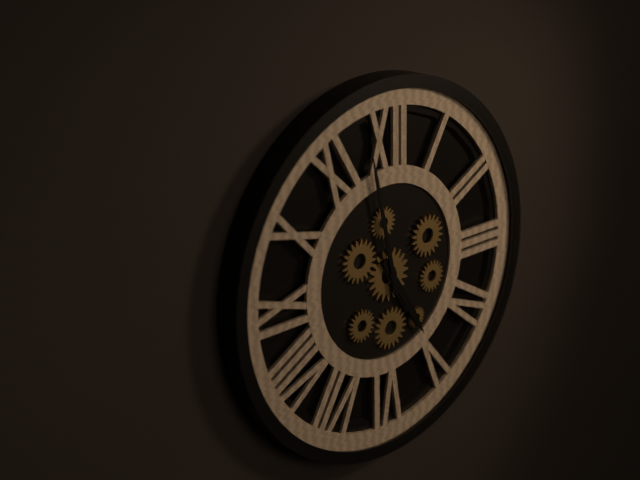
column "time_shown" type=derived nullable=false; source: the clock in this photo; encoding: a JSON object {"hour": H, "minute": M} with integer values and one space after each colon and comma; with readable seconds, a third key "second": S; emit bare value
{"hour": 4, "minute": 58}
